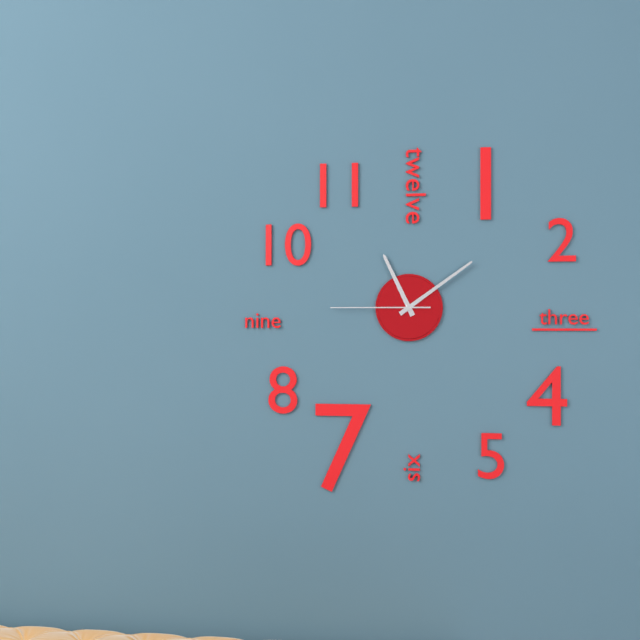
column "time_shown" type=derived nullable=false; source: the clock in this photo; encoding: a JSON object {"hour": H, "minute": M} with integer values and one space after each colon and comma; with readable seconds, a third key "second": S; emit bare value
{"hour": 11, "minute": 9, "second": 45}
